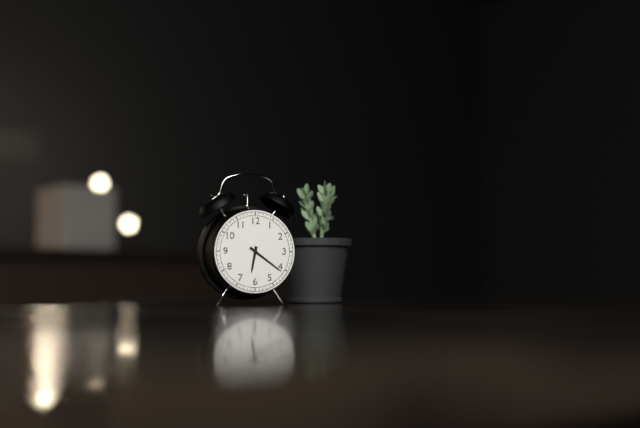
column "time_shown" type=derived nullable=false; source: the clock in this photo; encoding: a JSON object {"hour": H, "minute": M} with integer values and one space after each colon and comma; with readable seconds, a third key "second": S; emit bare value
{"hour": 6, "minute": 21}
